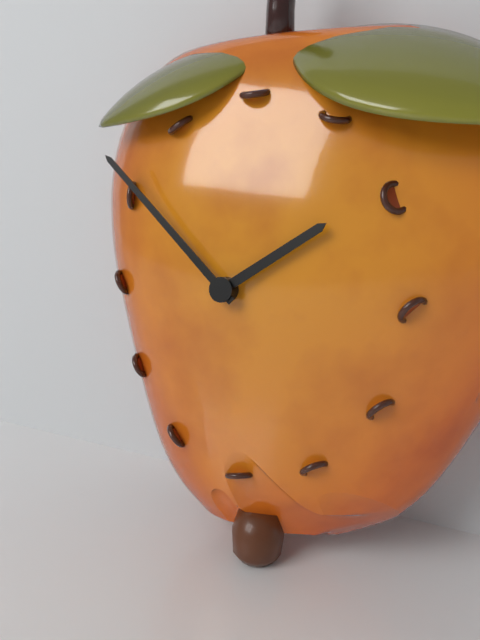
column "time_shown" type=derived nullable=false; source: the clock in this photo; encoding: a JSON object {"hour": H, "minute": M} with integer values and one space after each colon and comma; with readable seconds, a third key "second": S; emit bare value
{"hour": 1, "minute": 52}
